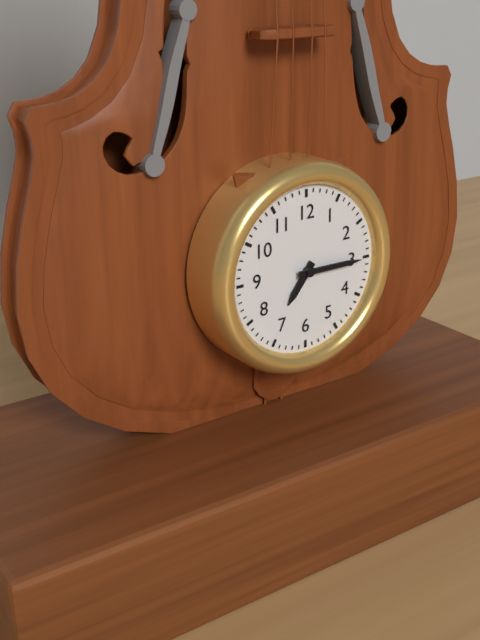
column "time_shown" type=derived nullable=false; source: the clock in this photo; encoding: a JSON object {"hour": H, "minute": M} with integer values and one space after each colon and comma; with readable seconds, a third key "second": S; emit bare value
{"hour": 7, "minute": 15}
